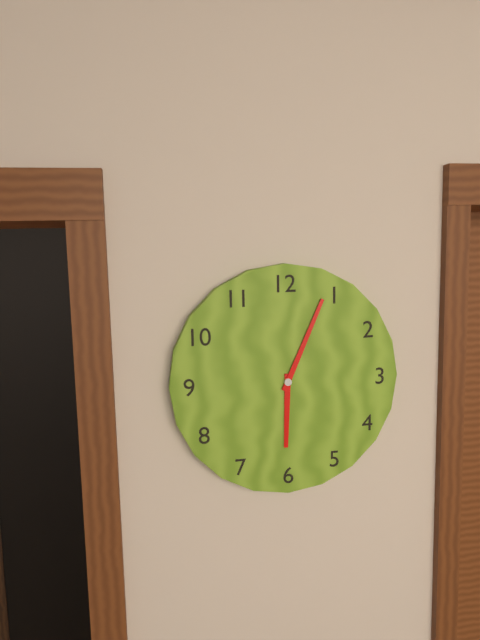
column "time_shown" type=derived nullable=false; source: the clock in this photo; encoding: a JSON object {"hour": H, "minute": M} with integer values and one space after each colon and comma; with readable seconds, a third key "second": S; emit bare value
{"hour": 6, "minute": 4}
